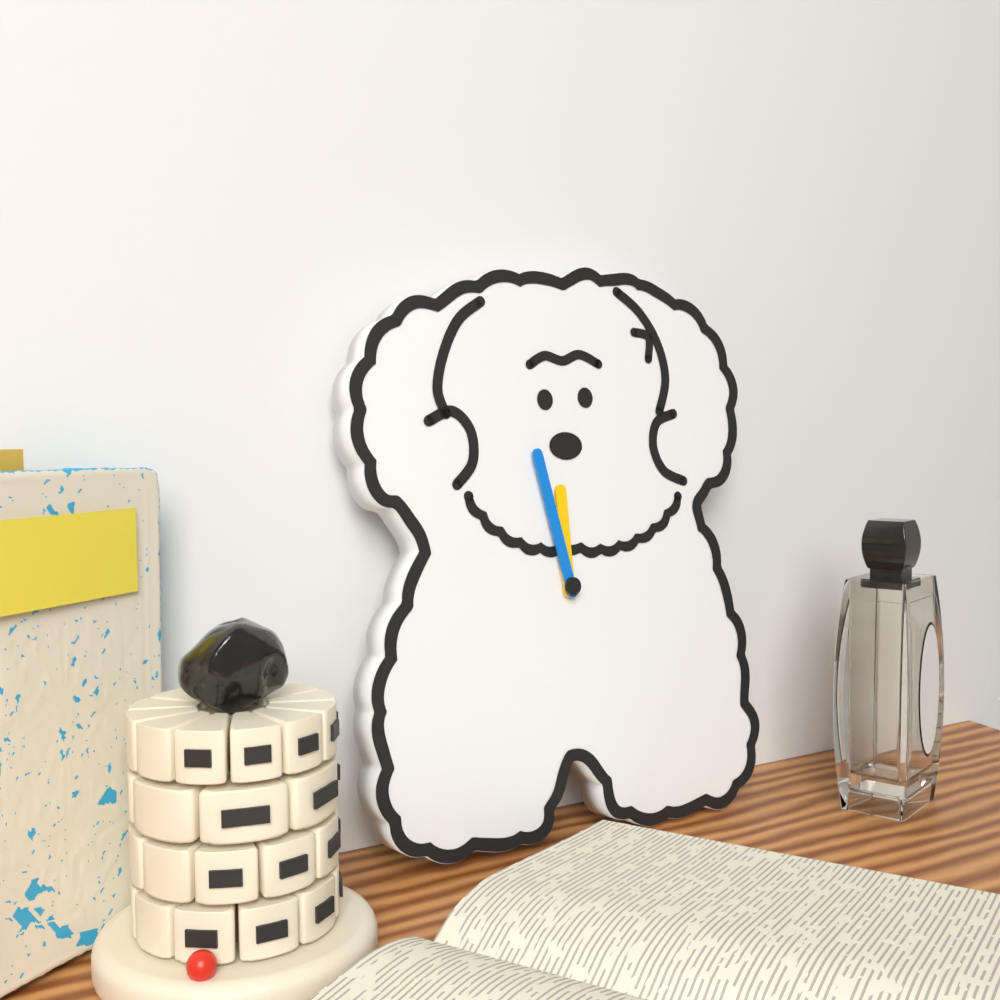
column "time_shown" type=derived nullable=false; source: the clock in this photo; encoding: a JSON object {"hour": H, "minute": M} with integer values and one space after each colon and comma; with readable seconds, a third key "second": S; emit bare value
{"hour": 11, "minute": 58}
